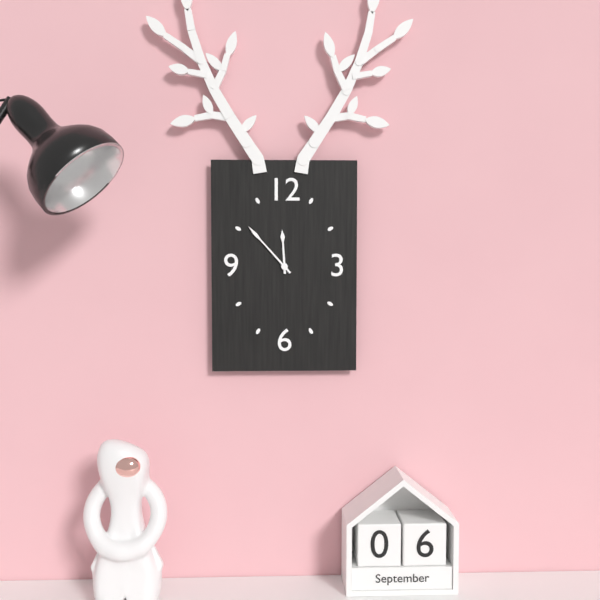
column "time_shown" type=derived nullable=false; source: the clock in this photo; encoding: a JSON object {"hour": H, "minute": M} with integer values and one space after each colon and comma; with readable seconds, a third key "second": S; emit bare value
{"hour": 11, "minute": 53}
